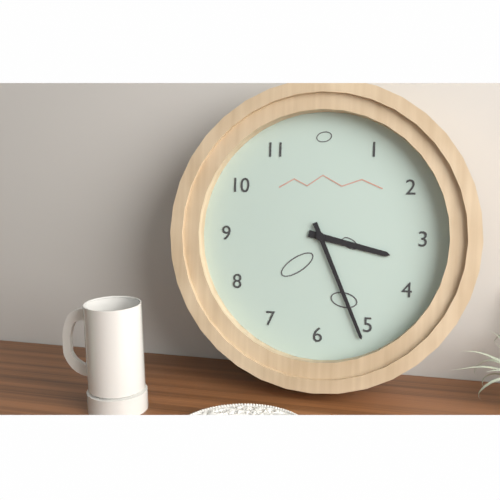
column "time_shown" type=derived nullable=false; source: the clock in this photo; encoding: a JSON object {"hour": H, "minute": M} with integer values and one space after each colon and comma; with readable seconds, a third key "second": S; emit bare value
{"hour": 3, "minute": 26}
